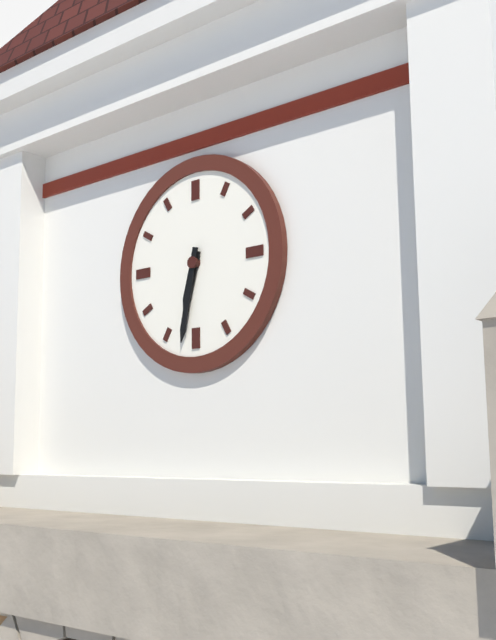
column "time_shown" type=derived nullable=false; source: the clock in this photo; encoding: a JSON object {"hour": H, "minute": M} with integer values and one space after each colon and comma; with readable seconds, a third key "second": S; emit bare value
{"hour": 6, "minute": 32}
